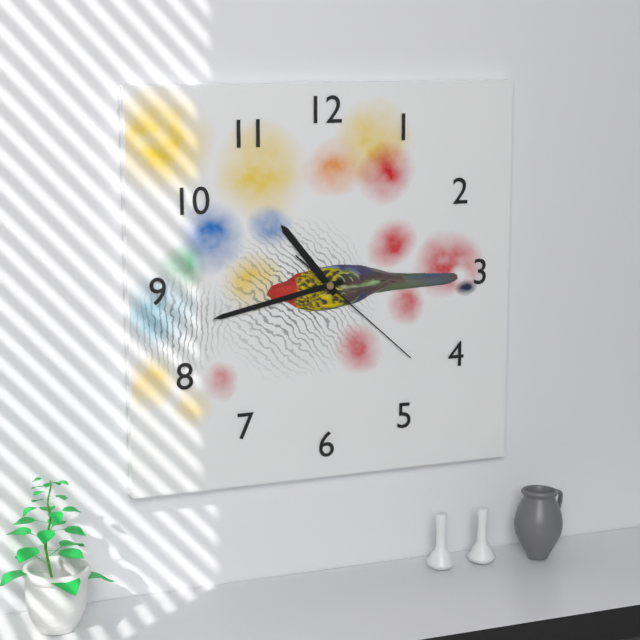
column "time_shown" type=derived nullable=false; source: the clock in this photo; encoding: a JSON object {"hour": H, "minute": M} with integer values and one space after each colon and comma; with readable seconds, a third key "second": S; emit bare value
{"hour": 10, "minute": 43, "second": 22}
